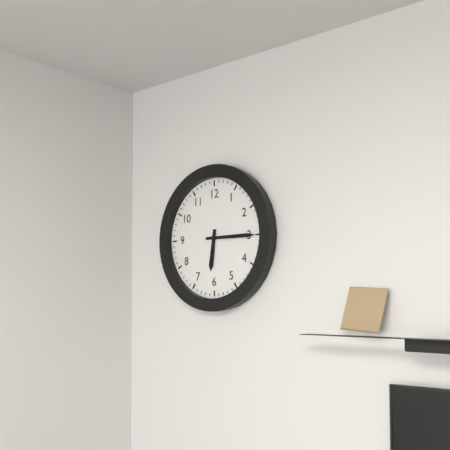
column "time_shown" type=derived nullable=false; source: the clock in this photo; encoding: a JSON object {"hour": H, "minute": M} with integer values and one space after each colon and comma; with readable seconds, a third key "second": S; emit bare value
{"hour": 6, "minute": 15}
